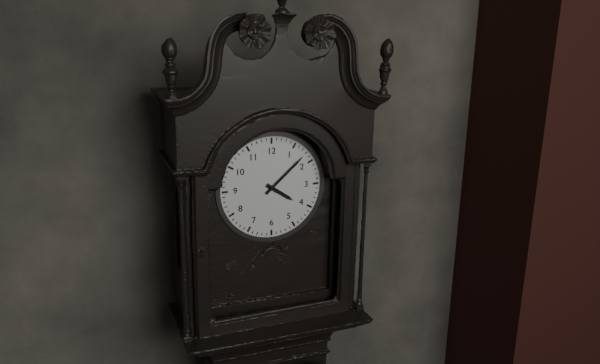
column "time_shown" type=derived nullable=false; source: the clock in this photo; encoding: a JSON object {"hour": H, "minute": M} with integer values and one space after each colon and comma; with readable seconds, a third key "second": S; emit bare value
{"hour": 4, "minute": 8}
